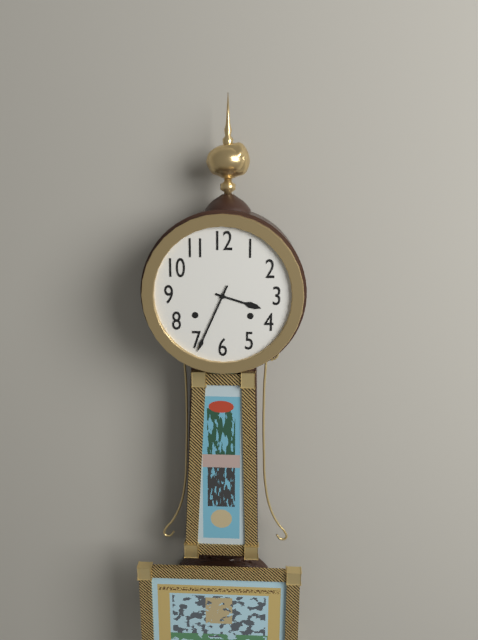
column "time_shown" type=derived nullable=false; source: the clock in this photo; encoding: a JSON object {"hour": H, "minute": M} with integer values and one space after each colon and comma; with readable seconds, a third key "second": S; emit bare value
{"hour": 3, "minute": 34}
